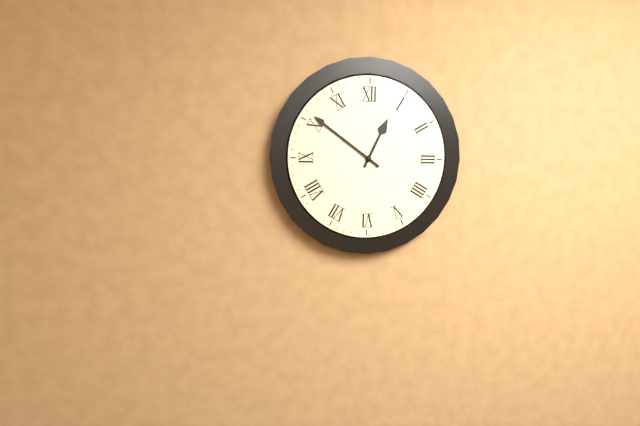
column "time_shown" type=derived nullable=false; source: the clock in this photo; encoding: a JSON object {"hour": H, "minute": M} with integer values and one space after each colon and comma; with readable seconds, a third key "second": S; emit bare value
{"hour": 12, "minute": 51}
